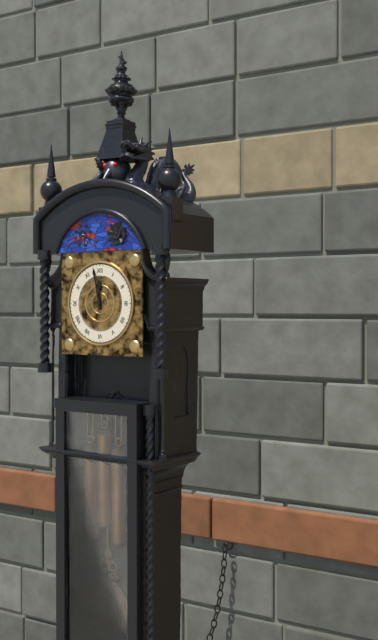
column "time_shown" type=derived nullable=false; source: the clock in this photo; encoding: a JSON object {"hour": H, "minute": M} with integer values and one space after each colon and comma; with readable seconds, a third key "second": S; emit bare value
{"hour": 11, "minute": 58}
